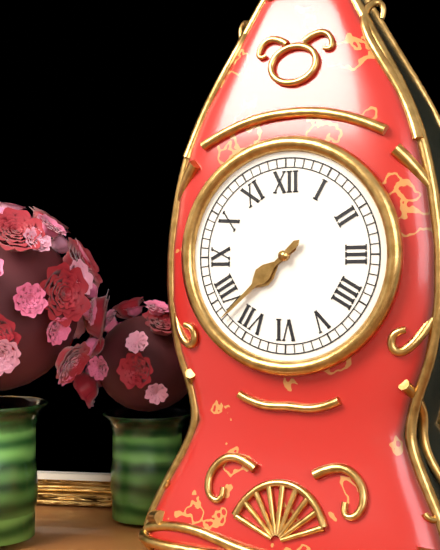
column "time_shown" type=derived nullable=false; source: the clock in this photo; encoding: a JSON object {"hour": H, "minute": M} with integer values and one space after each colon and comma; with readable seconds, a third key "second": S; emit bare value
{"hour": 7, "minute": 38}
